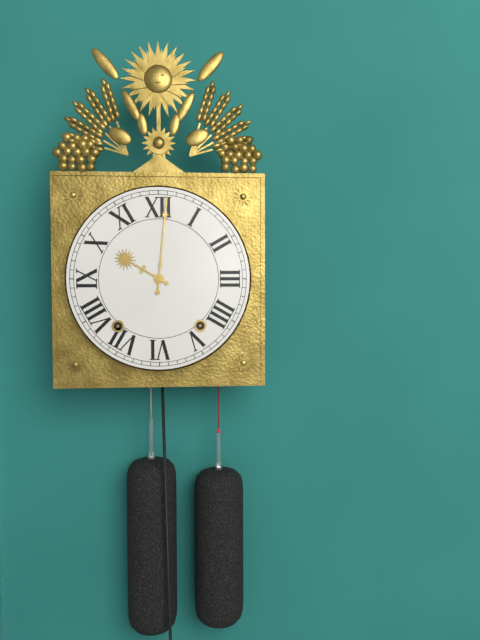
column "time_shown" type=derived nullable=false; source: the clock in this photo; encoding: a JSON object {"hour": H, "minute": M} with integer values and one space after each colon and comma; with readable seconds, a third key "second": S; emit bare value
{"hour": 10, "minute": 1}
